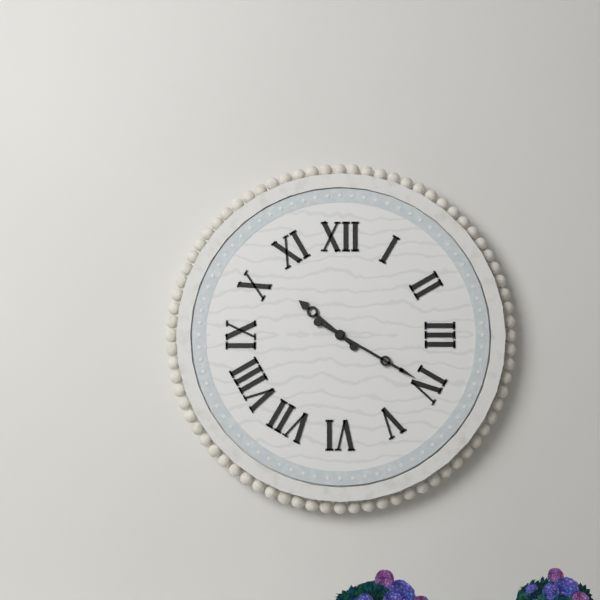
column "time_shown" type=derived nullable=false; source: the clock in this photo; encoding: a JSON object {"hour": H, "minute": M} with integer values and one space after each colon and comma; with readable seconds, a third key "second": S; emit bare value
{"hour": 10, "minute": 20}
